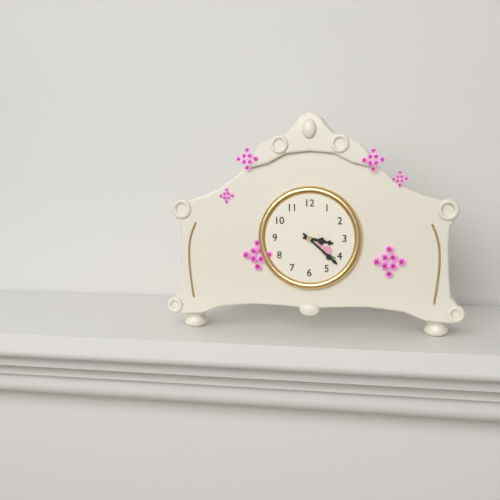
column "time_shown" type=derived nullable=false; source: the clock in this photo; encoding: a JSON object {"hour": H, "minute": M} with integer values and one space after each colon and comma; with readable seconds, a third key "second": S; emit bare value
{"hour": 3, "minute": 22}
